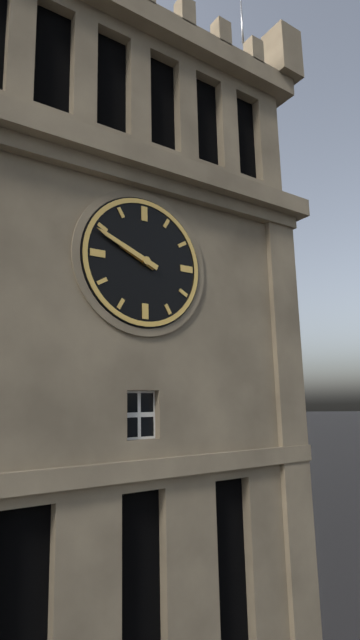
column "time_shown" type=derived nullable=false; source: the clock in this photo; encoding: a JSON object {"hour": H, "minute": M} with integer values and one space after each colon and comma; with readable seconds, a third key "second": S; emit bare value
{"hour": 9, "minute": 49}
